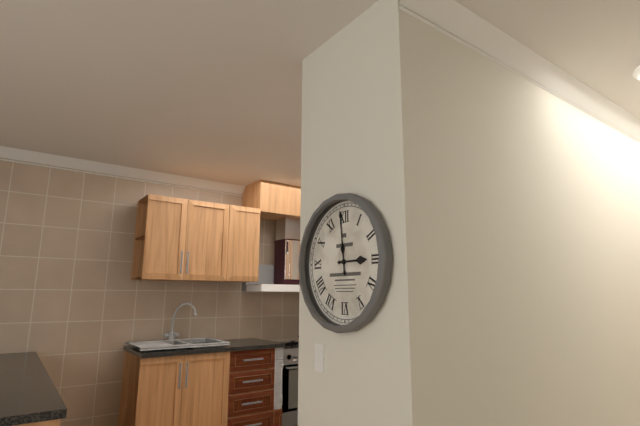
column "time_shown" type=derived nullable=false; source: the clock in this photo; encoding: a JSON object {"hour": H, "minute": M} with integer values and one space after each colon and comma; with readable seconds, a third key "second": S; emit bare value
{"hour": 2, "minute": 59}
